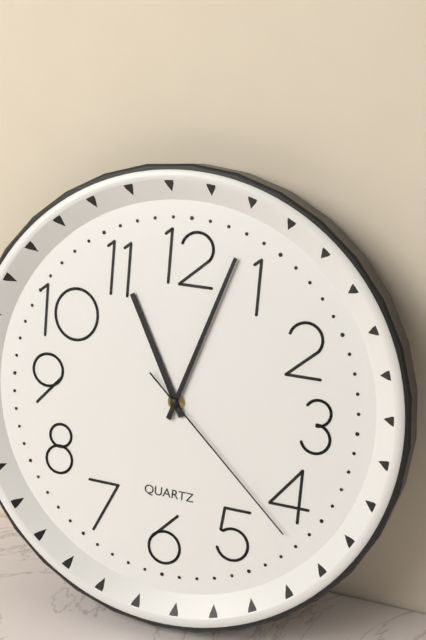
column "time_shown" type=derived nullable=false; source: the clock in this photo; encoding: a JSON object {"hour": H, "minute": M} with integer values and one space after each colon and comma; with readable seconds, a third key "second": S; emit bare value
{"hour": 11, "minute": 3, "second": 22}
